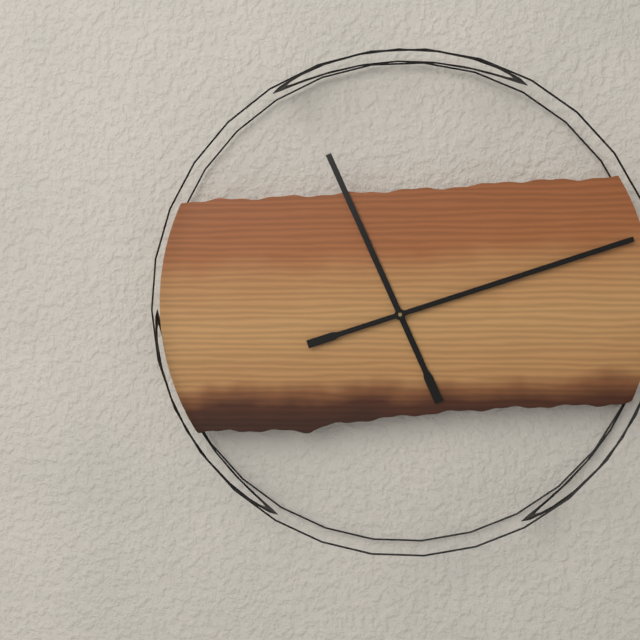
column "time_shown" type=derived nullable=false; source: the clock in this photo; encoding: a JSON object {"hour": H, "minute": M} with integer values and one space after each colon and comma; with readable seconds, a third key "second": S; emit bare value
{"hour": 11, "minute": 12}
